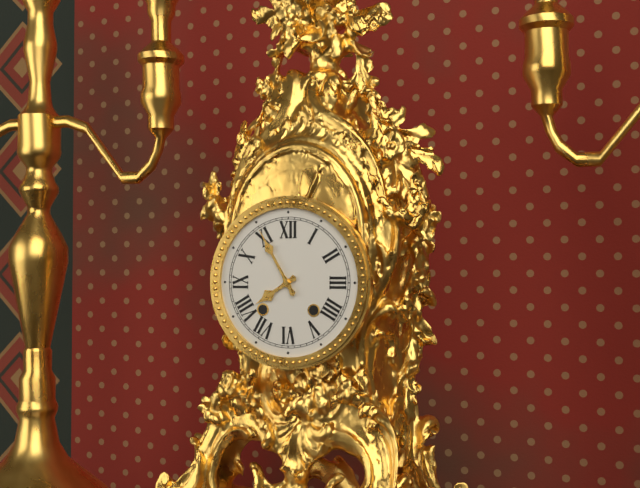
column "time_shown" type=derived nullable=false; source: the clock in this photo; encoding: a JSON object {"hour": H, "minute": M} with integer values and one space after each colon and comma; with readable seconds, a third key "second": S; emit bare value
{"hour": 7, "minute": 55}
